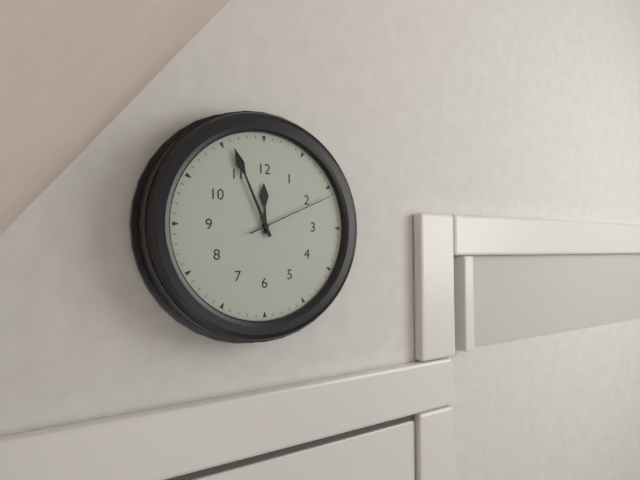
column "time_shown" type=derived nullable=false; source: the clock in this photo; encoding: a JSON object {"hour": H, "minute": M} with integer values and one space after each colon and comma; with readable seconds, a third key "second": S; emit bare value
{"hour": 11, "minute": 56, "second": 11}
